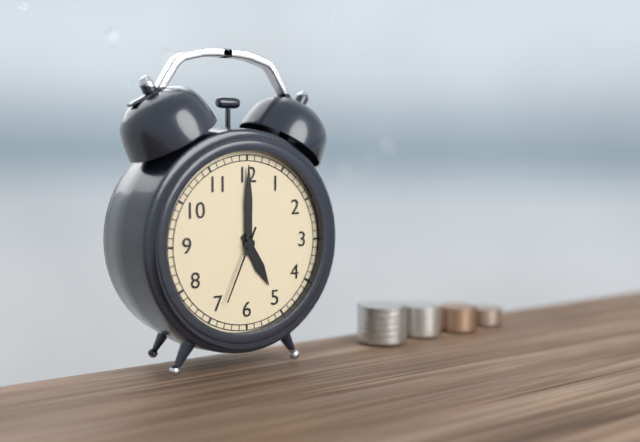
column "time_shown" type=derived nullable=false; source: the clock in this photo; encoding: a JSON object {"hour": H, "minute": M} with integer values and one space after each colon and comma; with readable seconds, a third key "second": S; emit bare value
{"hour": 5, "minute": 0, "second": 34}
